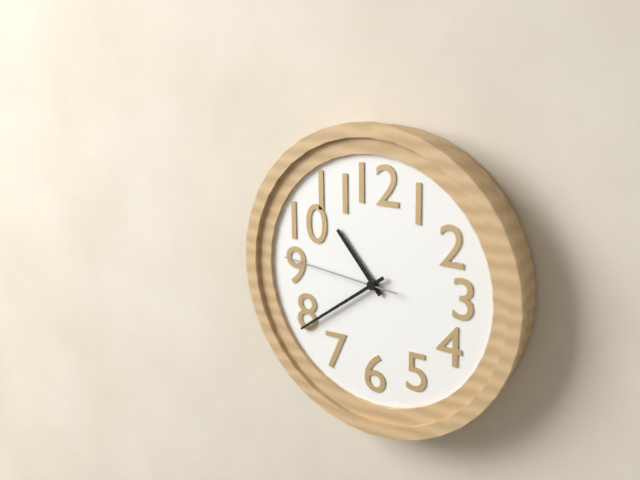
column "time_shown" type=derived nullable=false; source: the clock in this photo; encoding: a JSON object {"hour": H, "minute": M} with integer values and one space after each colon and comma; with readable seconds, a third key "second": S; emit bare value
{"hour": 10, "minute": 39, "second": 46}
